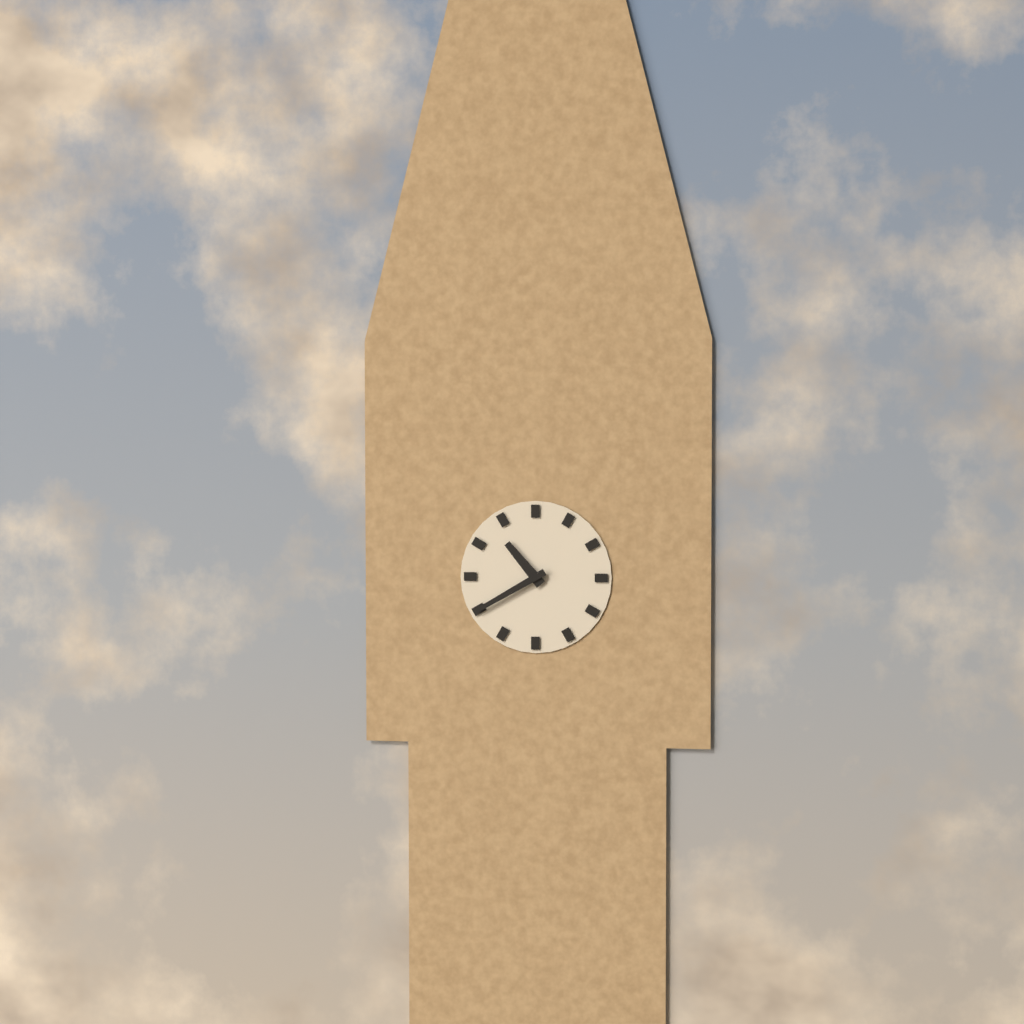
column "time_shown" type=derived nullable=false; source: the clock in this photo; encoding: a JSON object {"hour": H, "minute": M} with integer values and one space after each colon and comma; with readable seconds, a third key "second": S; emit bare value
{"hour": 10, "minute": 40}
